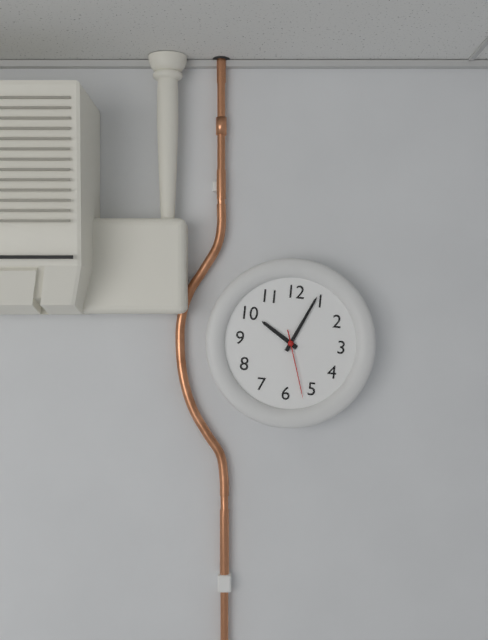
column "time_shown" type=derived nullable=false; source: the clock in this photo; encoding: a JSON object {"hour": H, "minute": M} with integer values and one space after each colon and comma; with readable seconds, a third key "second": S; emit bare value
{"hour": 10, "minute": 4, "second": 27}
